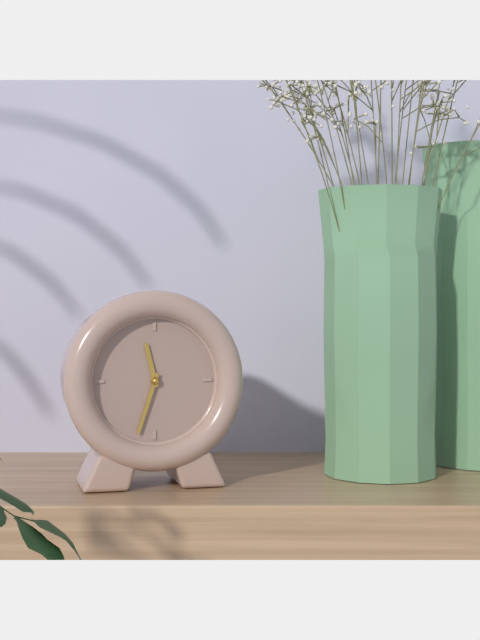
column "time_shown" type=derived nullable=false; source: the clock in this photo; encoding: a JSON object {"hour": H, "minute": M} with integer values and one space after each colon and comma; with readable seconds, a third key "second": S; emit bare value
{"hour": 11, "minute": 33}
